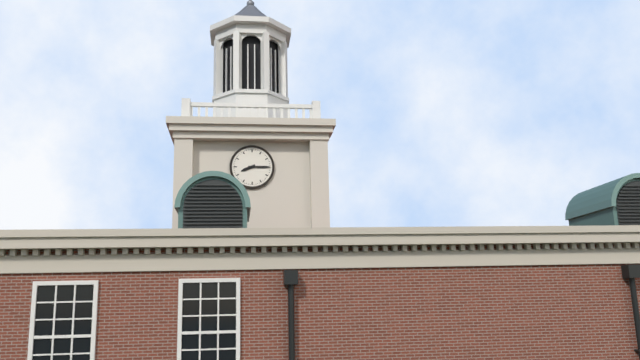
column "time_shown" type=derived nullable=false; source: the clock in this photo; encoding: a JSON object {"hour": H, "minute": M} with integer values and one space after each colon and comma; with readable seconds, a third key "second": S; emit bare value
{"hour": 8, "minute": 15}
